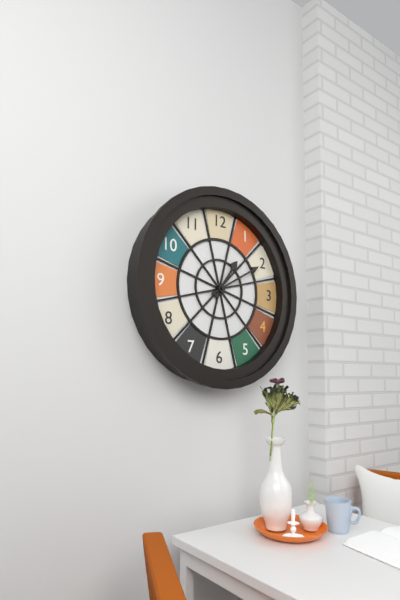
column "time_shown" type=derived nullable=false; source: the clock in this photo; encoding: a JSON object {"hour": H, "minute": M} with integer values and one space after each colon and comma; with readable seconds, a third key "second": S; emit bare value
{"hour": 1, "minute": 10}
